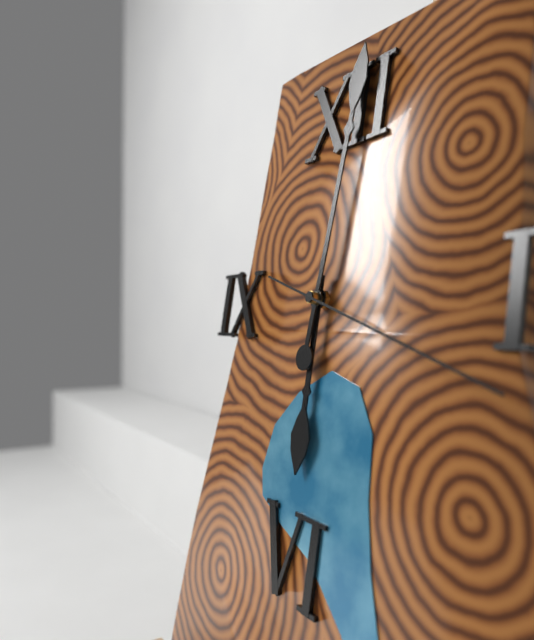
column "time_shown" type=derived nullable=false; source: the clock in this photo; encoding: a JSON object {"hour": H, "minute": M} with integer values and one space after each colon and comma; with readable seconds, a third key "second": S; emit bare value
{"hour": 6, "minute": 1, "second": 18}
